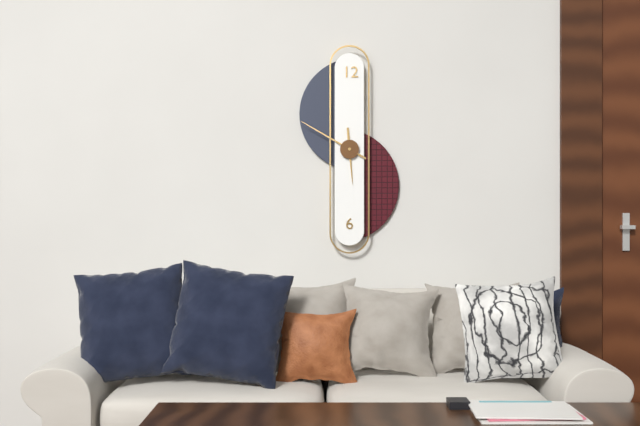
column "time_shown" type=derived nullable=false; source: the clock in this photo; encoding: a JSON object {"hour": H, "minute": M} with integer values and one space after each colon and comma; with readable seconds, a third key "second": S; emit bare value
{"hour": 5, "minute": 50}
